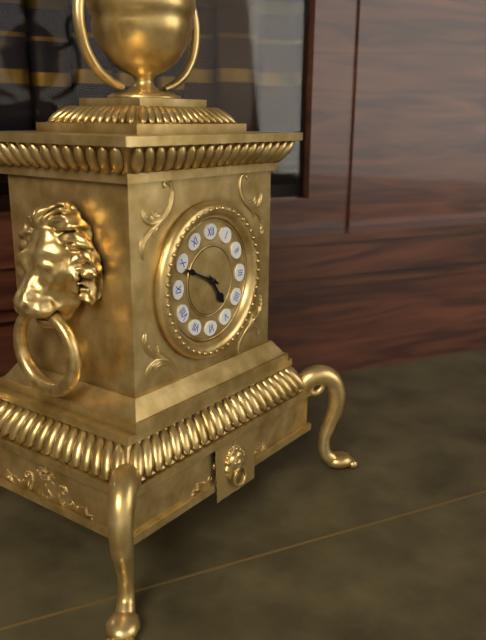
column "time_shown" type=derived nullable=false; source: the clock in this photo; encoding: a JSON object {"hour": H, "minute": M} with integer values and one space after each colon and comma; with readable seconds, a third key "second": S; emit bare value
{"hour": 4, "minute": 49}
